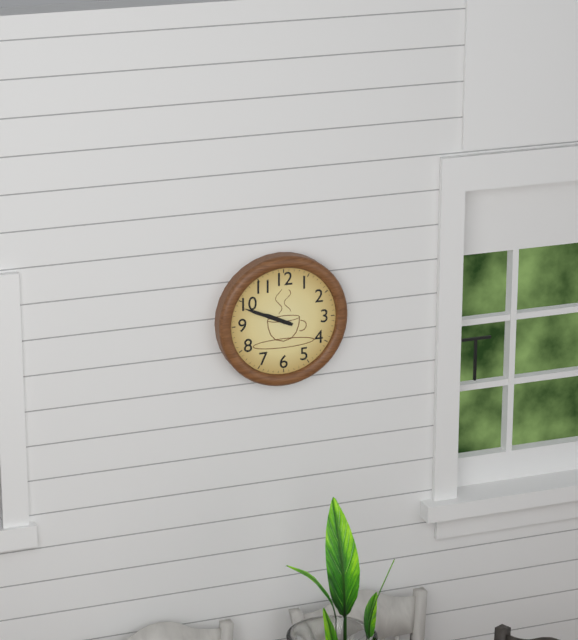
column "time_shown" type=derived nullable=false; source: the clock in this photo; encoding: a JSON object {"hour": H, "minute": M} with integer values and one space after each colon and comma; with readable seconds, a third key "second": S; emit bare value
{"hour": 9, "minute": 49}
